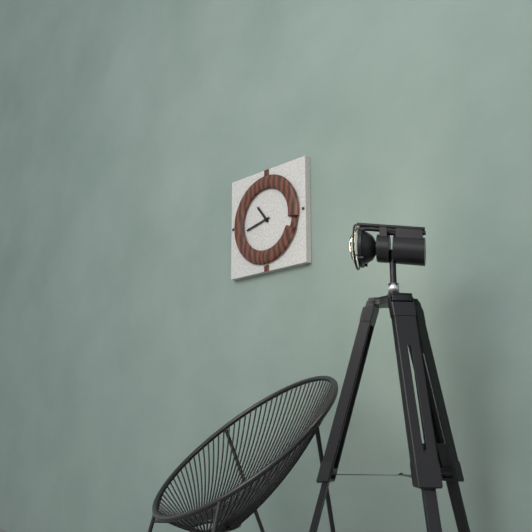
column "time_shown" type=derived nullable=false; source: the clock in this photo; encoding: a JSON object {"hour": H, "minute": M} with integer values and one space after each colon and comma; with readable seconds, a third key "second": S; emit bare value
{"hour": 10, "minute": 43}
